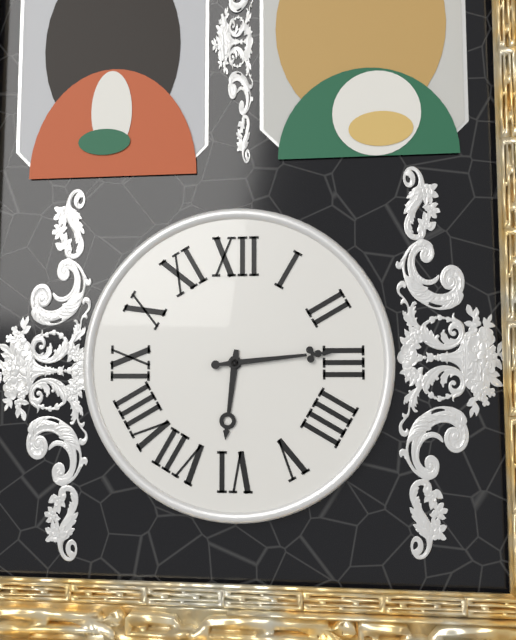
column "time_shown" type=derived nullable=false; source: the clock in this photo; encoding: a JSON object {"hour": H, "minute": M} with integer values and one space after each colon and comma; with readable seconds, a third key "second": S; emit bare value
{"hour": 6, "minute": 14}
